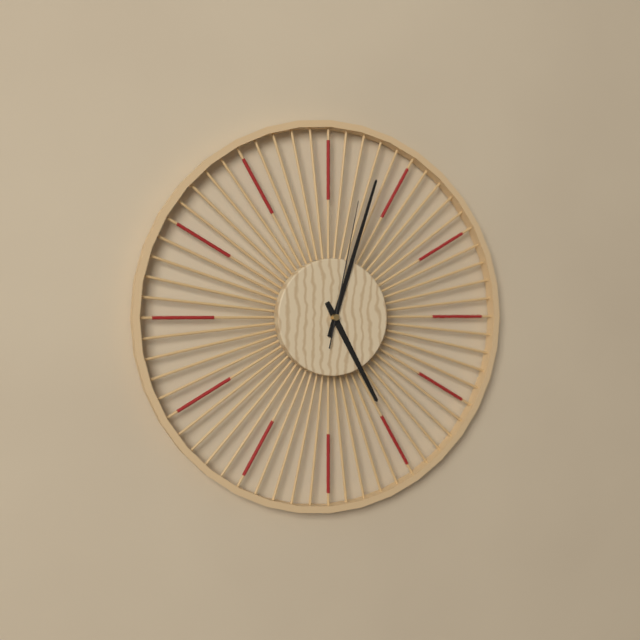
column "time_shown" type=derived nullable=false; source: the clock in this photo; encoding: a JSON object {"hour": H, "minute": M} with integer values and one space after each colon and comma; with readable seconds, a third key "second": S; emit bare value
{"hour": 5, "minute": 3, "second": 2}
